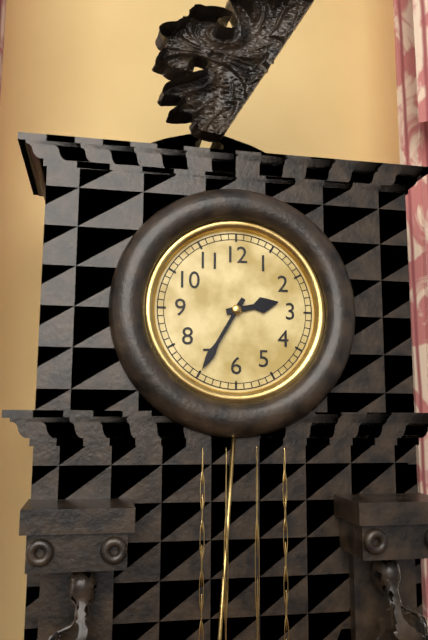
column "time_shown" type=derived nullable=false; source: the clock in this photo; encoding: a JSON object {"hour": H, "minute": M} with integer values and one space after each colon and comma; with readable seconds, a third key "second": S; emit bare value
{"hour": 2, "minute": 35}
